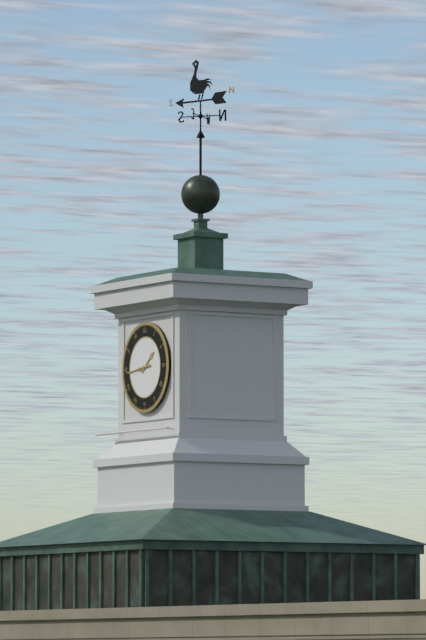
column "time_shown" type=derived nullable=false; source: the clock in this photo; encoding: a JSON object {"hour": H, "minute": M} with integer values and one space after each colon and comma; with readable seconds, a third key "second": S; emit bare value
{"hour": 1, "minute": 44}
